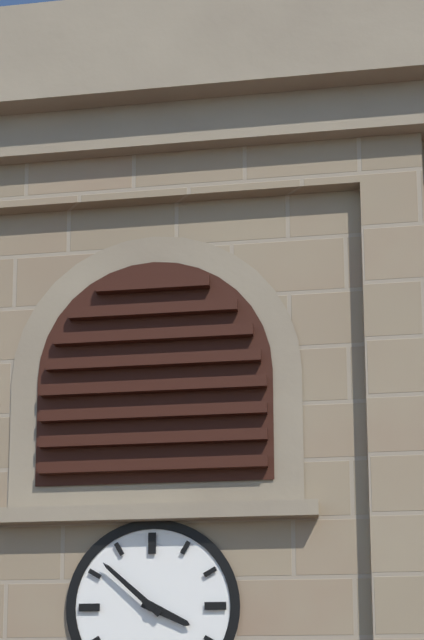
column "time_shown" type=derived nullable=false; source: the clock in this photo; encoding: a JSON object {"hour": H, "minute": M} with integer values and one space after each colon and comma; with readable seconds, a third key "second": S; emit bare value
{"hour": 3, "minute": 52}
